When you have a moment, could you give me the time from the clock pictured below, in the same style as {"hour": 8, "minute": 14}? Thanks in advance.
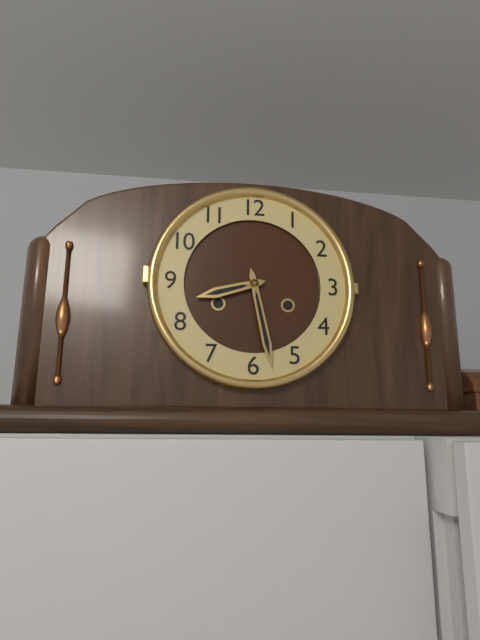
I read {"hour": 8, "minute": 28}
